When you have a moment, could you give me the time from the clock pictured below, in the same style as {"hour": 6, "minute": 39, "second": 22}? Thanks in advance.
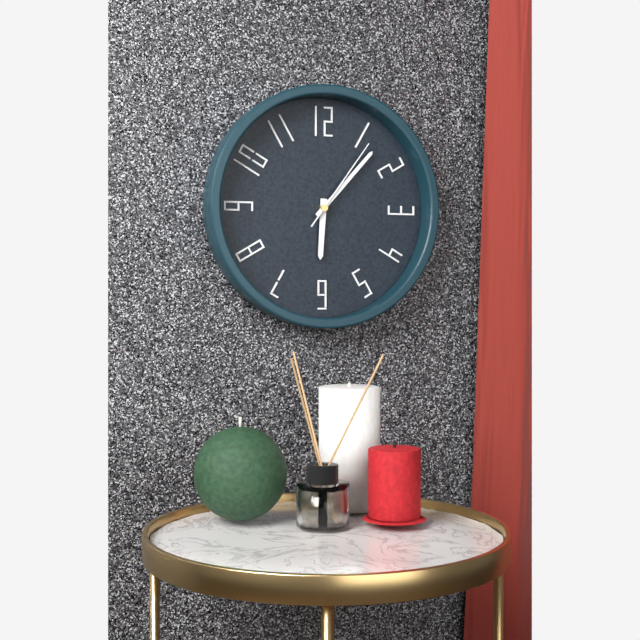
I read {"hour": 6, "minute": 7, "second": 6}
